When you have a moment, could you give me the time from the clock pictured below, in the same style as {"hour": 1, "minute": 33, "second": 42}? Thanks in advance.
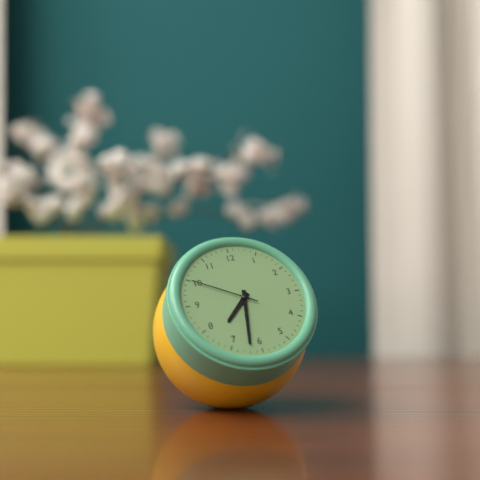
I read {"hour": 7, "minute": 32, "second": 50}
